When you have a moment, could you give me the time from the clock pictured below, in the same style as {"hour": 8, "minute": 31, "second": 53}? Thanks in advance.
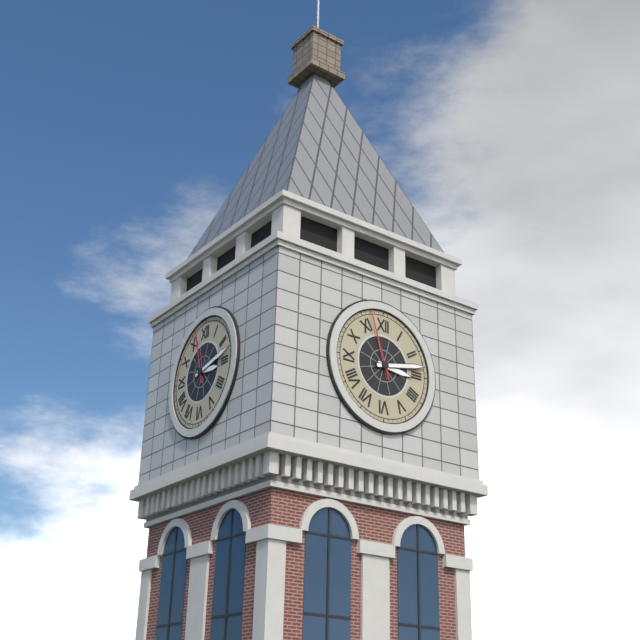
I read {"hour": 3, "minute": 13, "second": 57}
